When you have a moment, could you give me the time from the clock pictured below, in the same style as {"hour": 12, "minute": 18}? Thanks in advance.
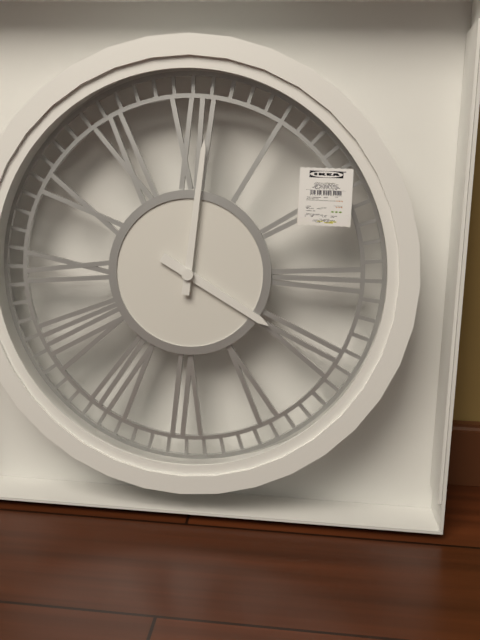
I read {"hour": 4, "minute": 1}
